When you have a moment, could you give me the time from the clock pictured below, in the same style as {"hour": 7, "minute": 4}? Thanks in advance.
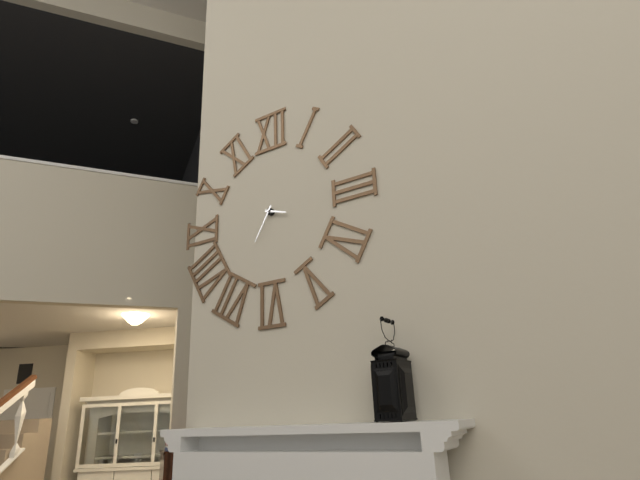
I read {"hour": 3, "minute": 35}
